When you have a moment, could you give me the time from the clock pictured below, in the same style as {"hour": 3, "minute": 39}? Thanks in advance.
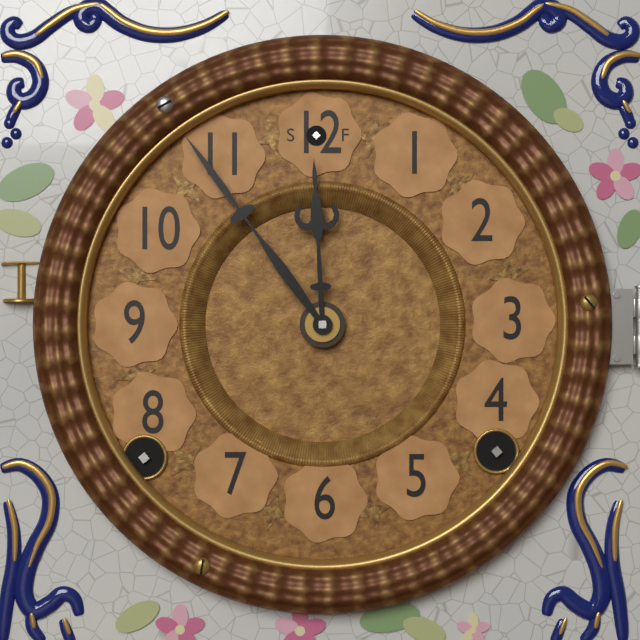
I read {"hour": 11, "minute": 54}
